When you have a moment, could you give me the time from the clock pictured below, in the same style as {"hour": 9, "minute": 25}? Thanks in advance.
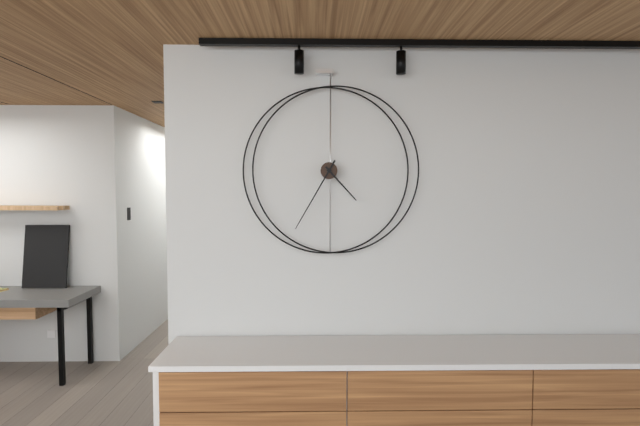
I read {"hour": 4, "minute": 35}
